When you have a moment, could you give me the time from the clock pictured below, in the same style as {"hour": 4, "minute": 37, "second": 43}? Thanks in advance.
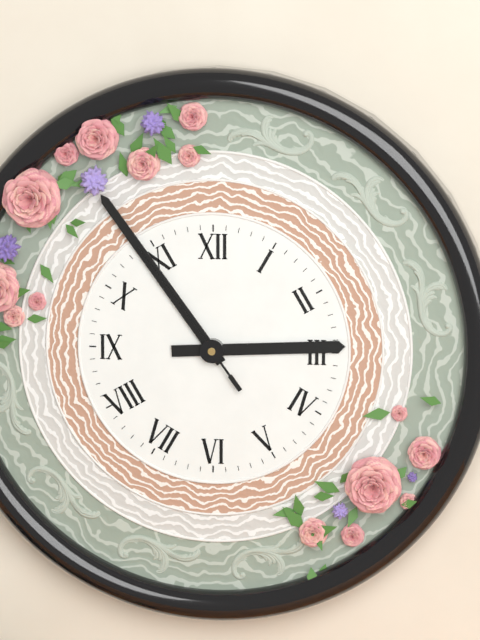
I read {"hour": 2, "minute": 54, "second": 54}
